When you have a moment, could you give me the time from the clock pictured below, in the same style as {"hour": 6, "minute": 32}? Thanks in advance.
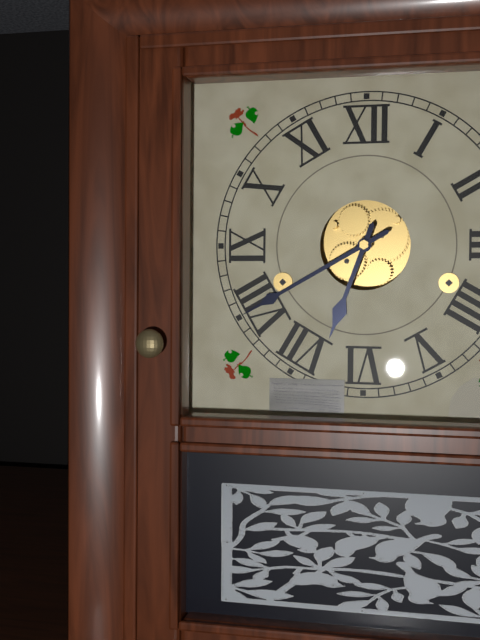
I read {"hour": 6, "minute": 40}
